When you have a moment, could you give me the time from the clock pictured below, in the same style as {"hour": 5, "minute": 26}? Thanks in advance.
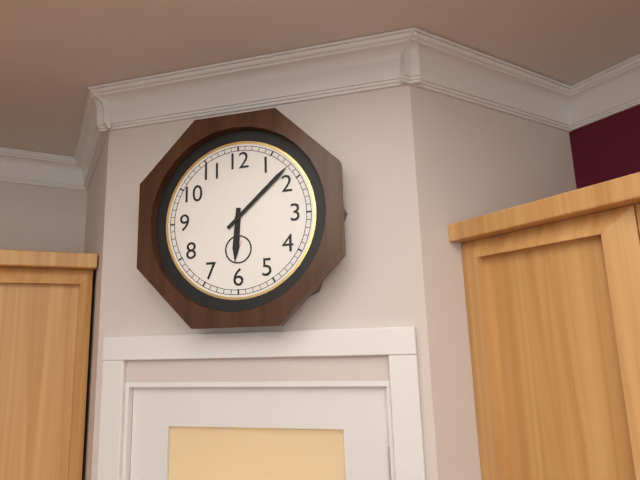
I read {"hour": 6, "minute": 8}
